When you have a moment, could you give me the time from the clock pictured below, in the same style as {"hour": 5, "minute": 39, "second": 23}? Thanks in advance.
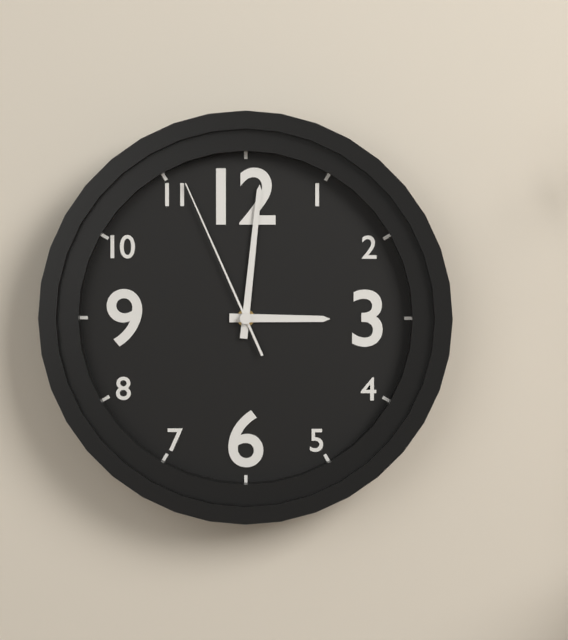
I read {"hour": 3, "minute": 1, "second": 56}
